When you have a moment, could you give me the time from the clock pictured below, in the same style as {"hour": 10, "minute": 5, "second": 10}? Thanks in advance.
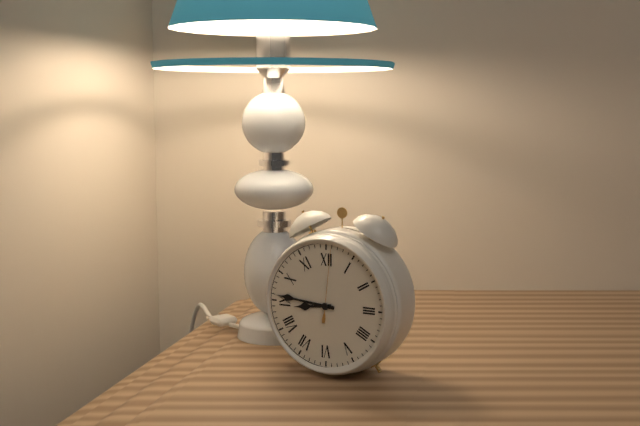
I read {"hour": 8, "minute": 46, "second": 1}
